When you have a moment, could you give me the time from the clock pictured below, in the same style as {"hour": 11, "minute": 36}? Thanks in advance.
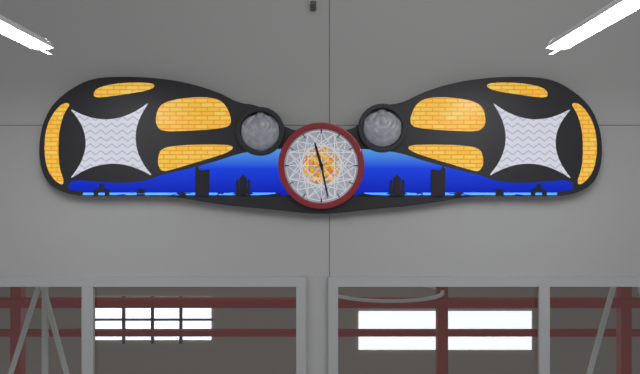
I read {"hour": 11, "minute": 28}
